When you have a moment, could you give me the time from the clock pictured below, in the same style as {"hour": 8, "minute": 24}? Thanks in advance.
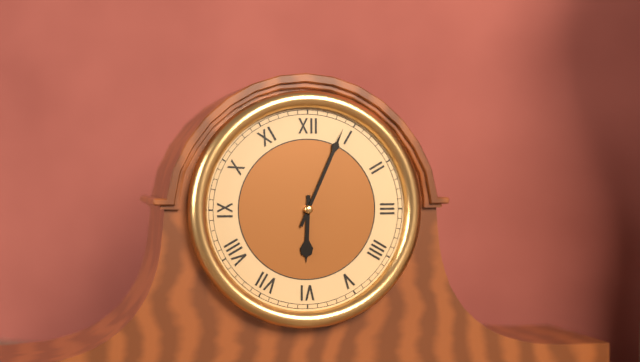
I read {"hour": 6, "minute": 4}
